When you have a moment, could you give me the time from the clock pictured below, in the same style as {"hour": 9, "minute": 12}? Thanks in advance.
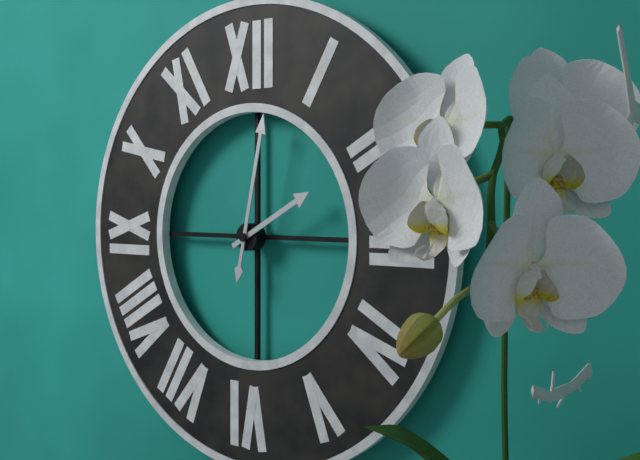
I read {"hour": 2, "minute": 2}
